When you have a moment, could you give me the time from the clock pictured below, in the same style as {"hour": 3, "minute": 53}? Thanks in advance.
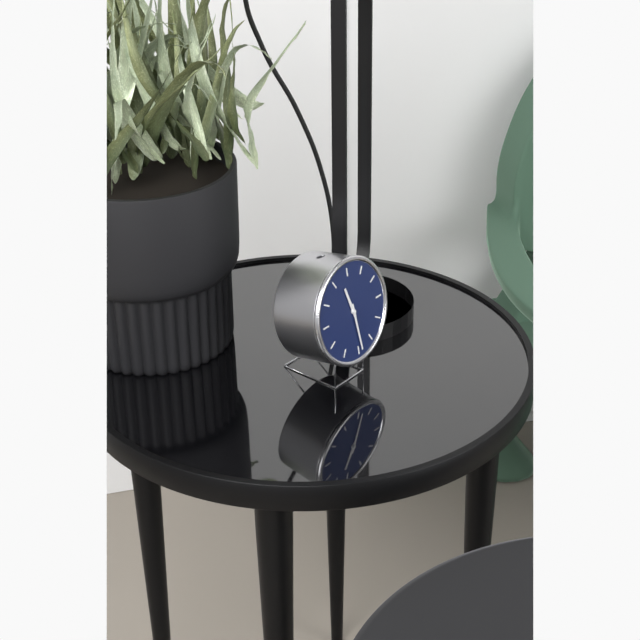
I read {"hour": 11, "minute": 29}
